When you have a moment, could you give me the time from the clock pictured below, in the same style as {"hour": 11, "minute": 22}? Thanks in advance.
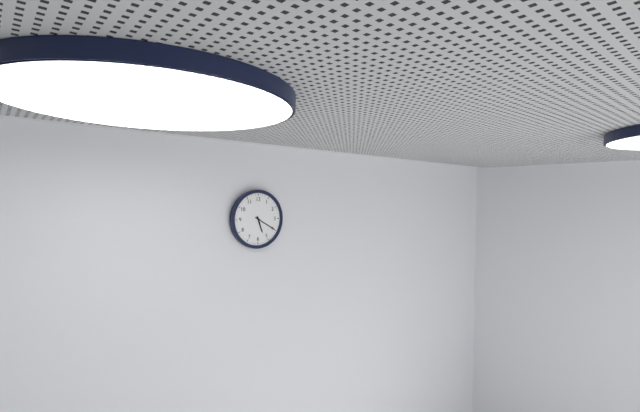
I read {"hour": 5, "minute": 20}
